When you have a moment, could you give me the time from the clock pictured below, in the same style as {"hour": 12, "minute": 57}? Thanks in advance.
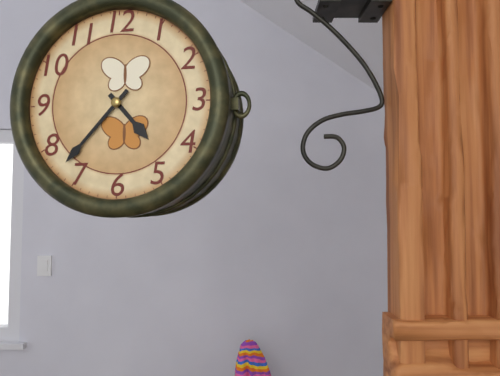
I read {"hour": 4, "minute": 37}
